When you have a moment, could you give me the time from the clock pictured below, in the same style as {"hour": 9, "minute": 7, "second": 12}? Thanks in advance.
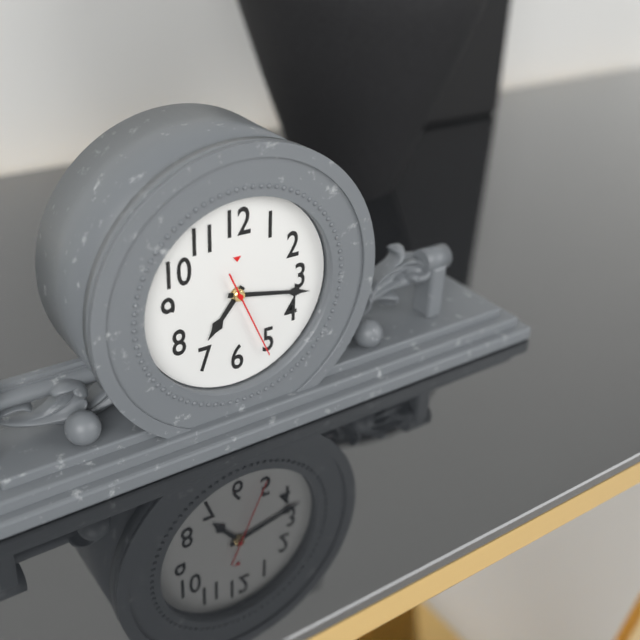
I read {"hour": 7, "minute": 17, "second": 26}
